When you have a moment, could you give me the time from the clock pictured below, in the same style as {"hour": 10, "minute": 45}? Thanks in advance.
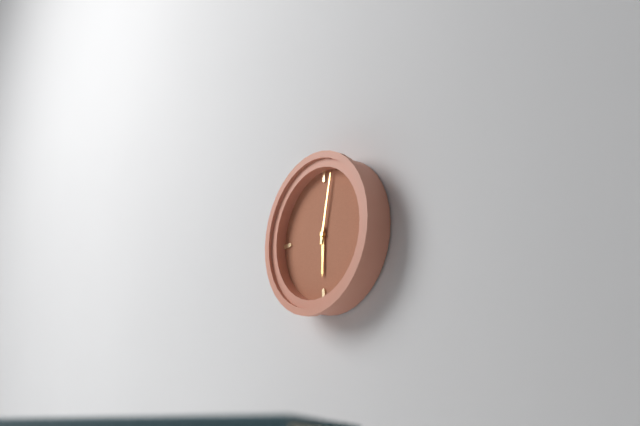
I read {"hour": 6, "minute": 2}
